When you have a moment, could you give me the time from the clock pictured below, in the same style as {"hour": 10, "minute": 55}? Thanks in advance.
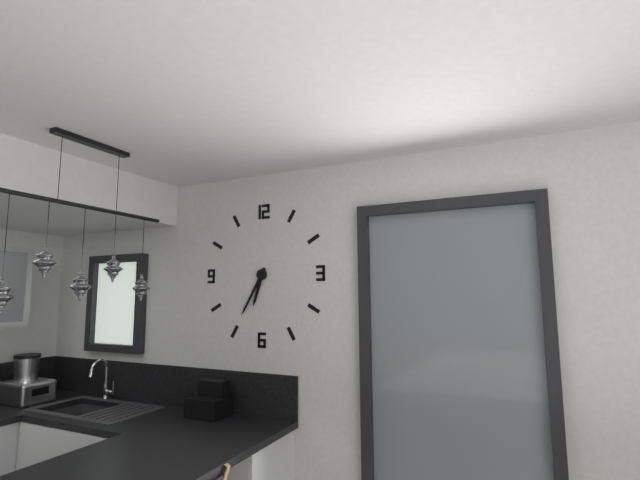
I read {"hour": 6, "minute": 35}
